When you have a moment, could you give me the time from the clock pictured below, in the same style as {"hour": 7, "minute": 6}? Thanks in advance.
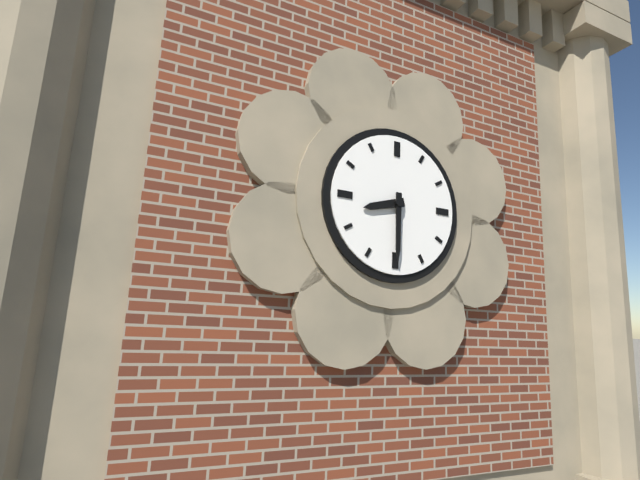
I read {"hour": 8, "minute": 30}
